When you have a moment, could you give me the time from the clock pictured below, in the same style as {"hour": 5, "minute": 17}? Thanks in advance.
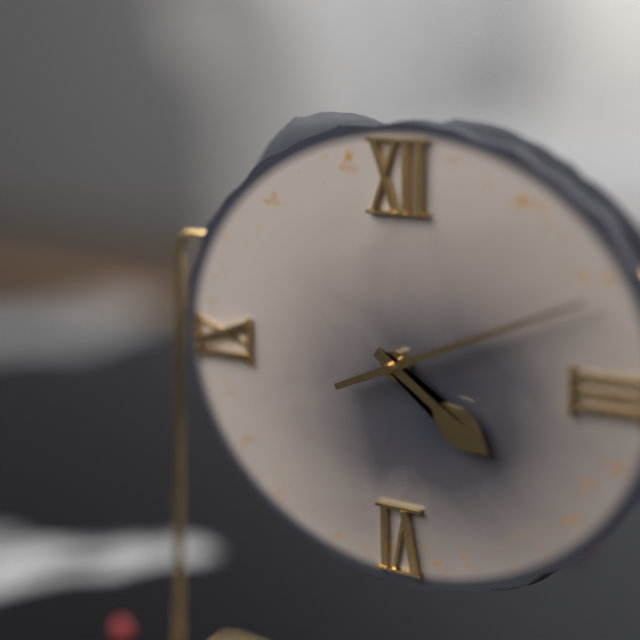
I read {"hour": 4, "minute": 11}
